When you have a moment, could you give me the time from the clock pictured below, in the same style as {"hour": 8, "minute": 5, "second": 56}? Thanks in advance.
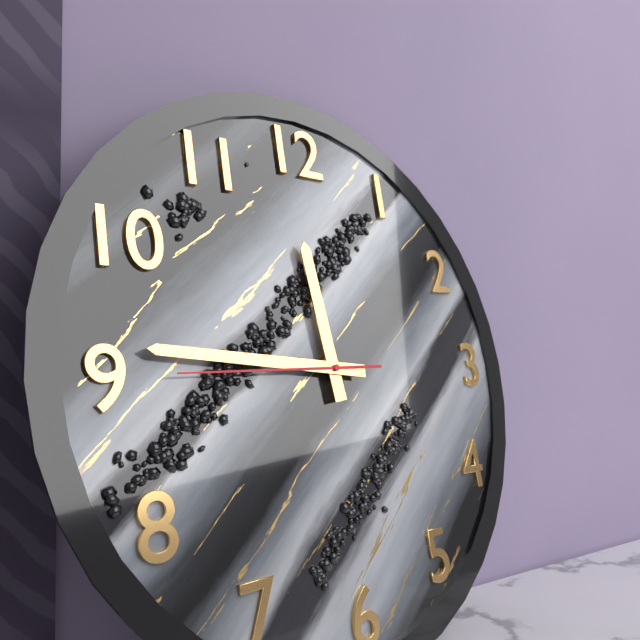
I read {"hour": 11, "minute": 46, "second": 45}
